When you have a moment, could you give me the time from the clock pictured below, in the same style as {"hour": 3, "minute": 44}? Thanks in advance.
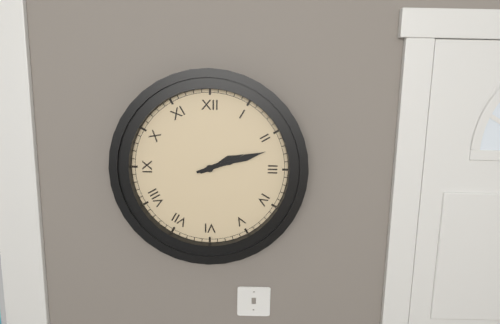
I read {"hour": 2, "minute": 12}
